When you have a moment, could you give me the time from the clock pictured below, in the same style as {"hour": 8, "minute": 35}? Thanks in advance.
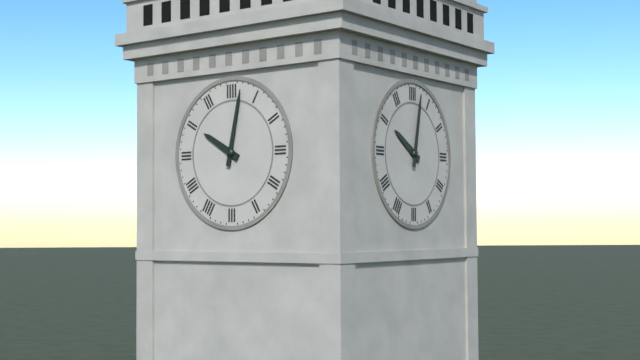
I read {"hour": 10, "minute": 2}
